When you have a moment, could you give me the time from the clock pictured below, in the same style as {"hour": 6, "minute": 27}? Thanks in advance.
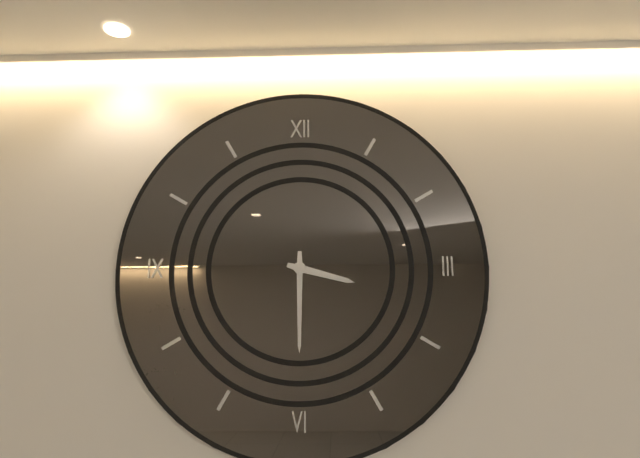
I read {"hour": 3, "minute": 30}
